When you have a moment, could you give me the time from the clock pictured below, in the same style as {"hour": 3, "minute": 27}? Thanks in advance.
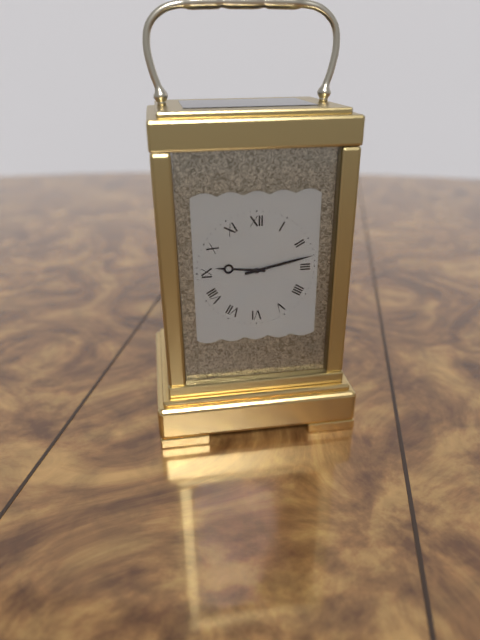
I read {"hour": 9, "minute": 13}
